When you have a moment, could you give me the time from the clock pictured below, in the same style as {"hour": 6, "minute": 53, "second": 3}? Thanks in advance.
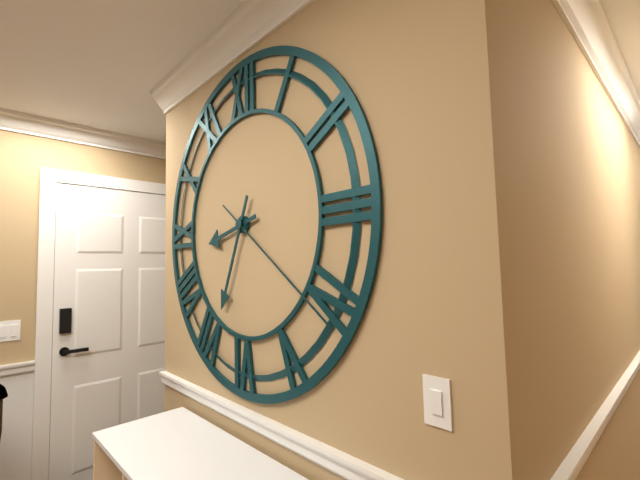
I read {"hour": 8, "minute": 34, "second": 21}
